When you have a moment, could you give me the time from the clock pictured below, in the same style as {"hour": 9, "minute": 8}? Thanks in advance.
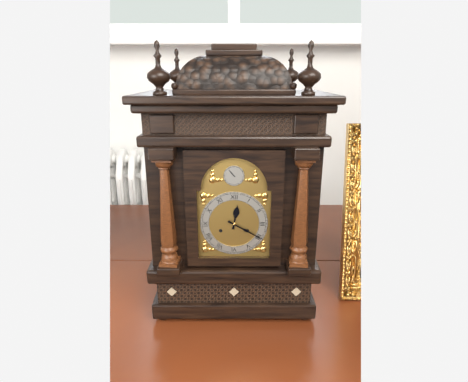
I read {"hour": 12, "minute": 20}
